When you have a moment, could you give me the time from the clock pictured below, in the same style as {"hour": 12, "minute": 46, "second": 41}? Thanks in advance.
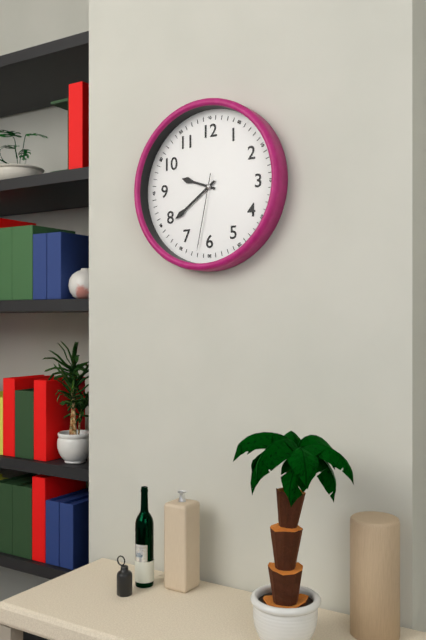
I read {"hour": 9, "minute": 39, "second": 32}
